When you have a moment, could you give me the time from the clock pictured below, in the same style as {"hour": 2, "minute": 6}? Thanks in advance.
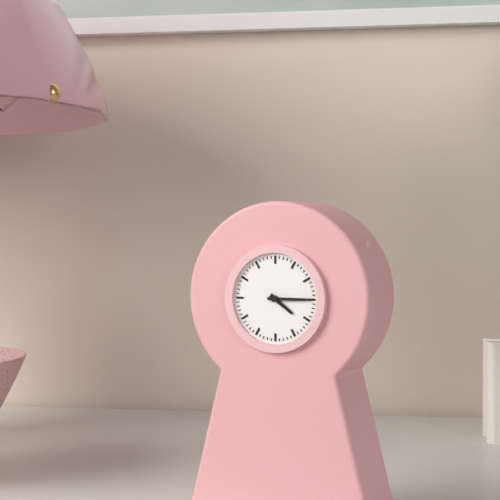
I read {"hour": 4, "minute": 15}
